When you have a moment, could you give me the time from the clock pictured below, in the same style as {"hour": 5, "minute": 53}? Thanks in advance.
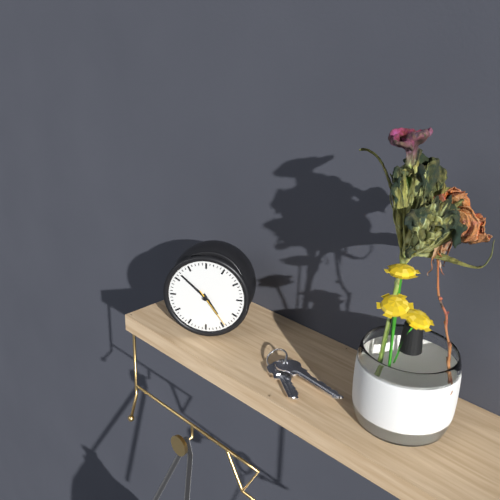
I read {"hour": 4, "minute": 52}
